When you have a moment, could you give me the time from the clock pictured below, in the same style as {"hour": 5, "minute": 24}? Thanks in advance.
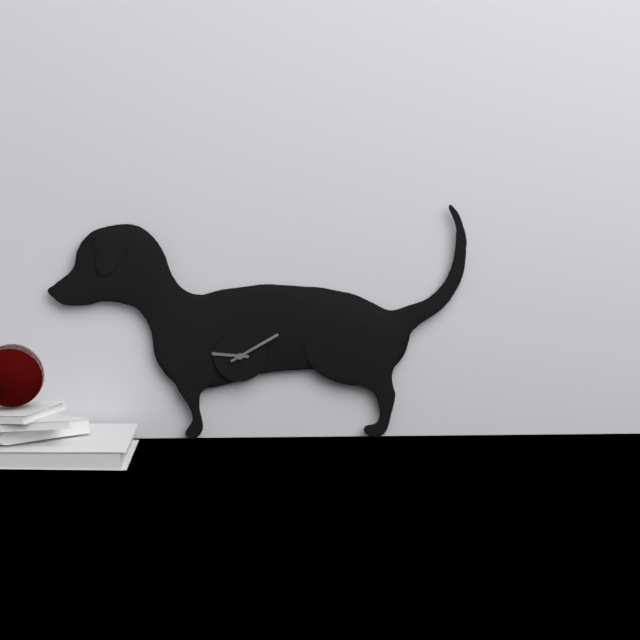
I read {"hour": 9, "minute": 10}
